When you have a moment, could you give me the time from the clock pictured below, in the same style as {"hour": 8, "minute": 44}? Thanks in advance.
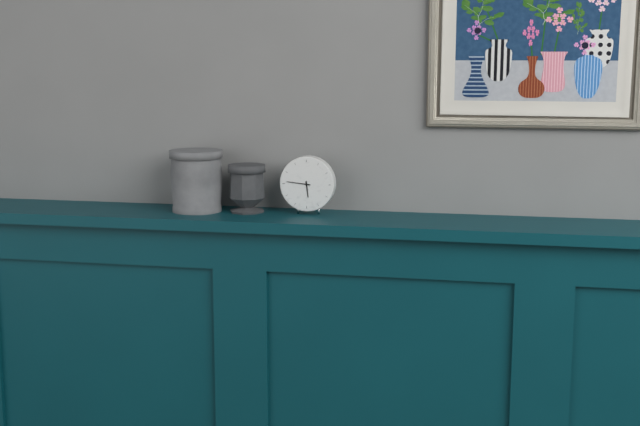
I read {"hour": 5, "minute": 46}
